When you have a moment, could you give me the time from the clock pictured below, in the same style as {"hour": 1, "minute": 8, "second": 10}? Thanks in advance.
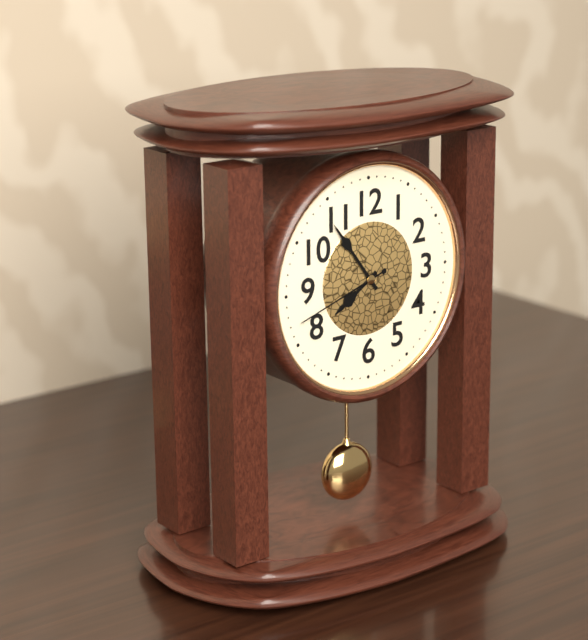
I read {"hour": 7, "minute": 54, "second": 42}
